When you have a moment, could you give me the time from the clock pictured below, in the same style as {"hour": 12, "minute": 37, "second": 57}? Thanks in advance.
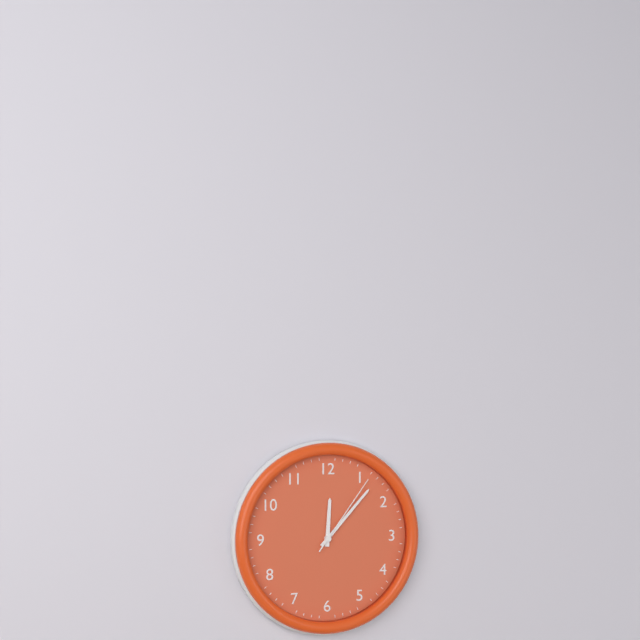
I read {"hour": 12, "minute": 7, "second": 6}
